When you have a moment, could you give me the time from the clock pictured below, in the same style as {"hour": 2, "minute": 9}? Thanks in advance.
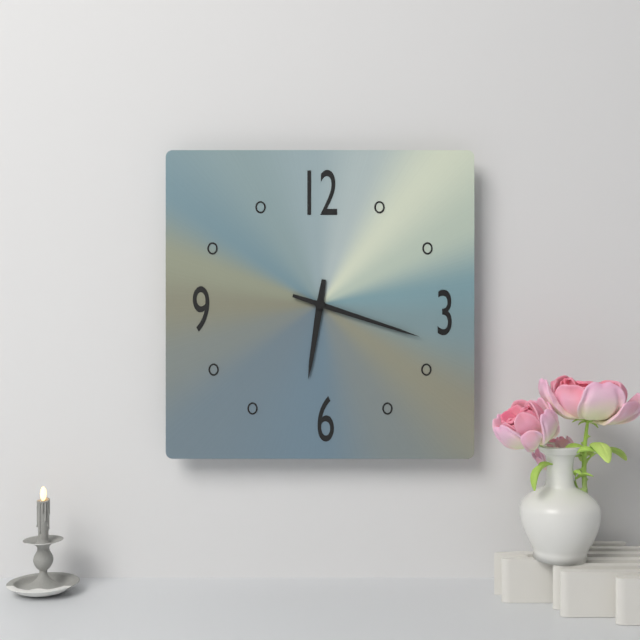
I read {"hour": 6, "minute": 18}
